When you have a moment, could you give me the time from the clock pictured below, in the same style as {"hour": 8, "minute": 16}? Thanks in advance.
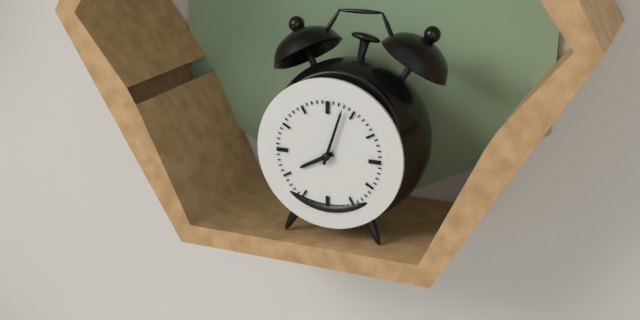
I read {"hour": 8, "minute": 3}
